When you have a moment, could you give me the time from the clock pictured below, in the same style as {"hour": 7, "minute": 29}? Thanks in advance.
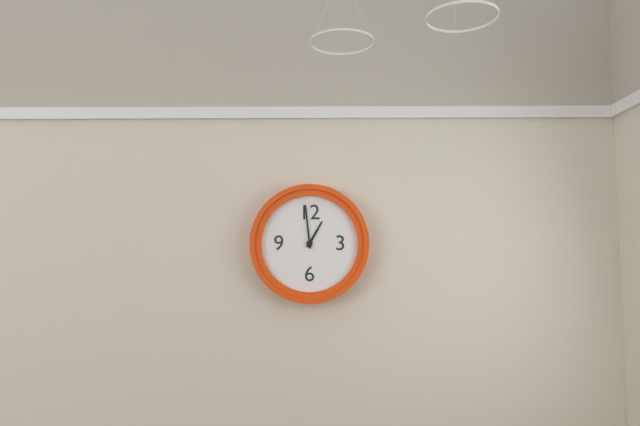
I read {"hour": 12, "minute": 59}
